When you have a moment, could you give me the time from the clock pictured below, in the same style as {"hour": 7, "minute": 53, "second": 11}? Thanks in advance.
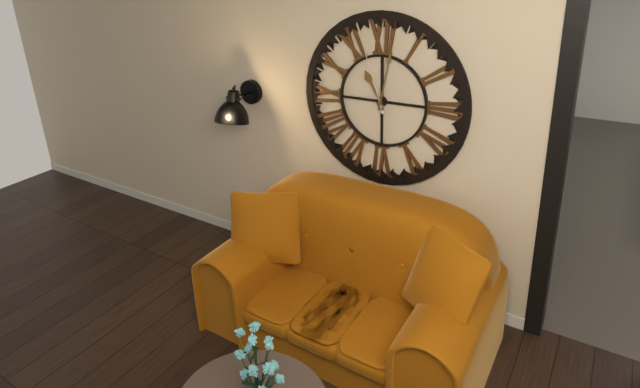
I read {"hour": 11, "minute": 2, "second": 57}
